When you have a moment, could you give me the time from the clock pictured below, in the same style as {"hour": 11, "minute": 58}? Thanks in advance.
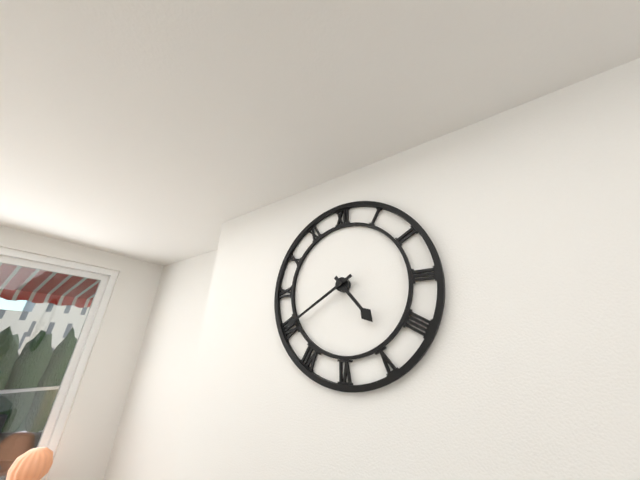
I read {"hour": 4, "minute": 40}
